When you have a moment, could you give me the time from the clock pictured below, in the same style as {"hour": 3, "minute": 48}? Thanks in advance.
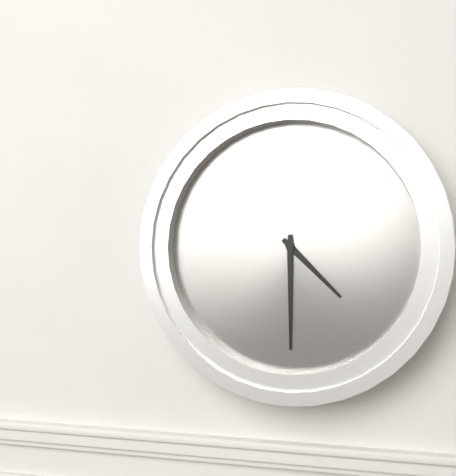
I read {"hour": 4, "minute": 30}
